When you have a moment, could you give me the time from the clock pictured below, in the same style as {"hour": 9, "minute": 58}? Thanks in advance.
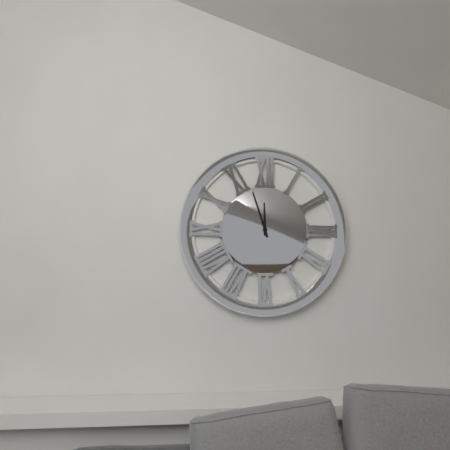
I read {"hour": 11, "minute": 57}
